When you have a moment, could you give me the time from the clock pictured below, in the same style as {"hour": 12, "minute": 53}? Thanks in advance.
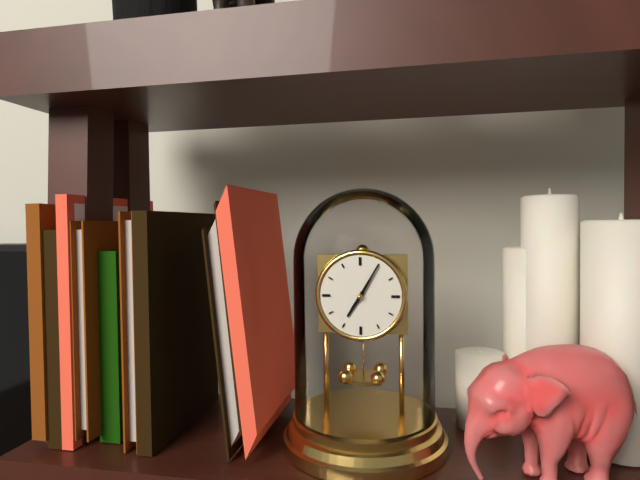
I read {"hour": 7, "minute": 5}
